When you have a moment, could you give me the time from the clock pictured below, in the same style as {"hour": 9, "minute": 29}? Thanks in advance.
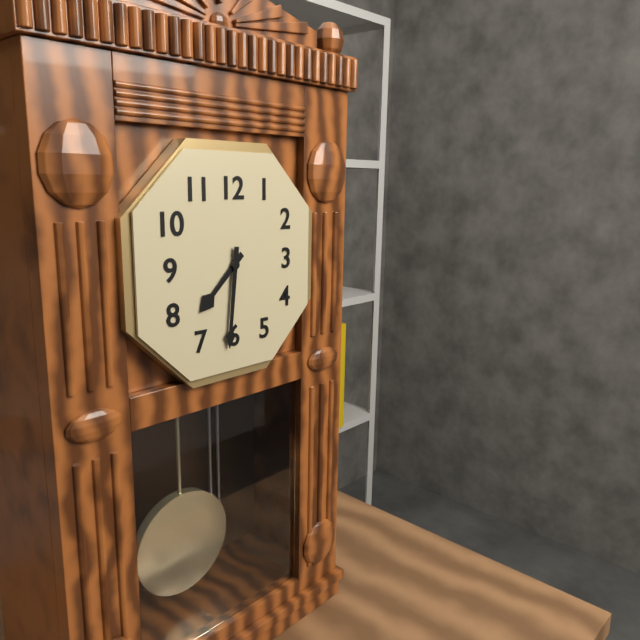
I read {"hour": 7, "minute": 31}
